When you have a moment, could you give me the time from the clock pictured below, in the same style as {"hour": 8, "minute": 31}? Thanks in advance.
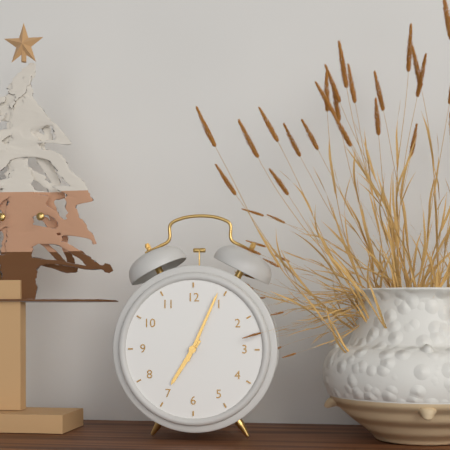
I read {"hour": 7, "minute": 4}
